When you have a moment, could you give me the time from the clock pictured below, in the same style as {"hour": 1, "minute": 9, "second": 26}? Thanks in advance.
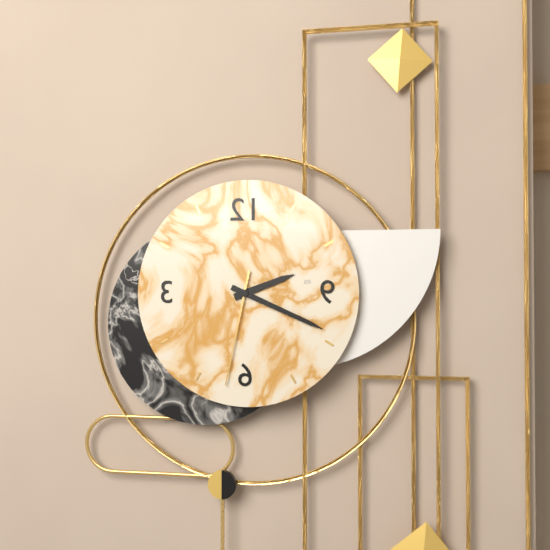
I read {"hour": 2, "minute": 19, "second": 32}
